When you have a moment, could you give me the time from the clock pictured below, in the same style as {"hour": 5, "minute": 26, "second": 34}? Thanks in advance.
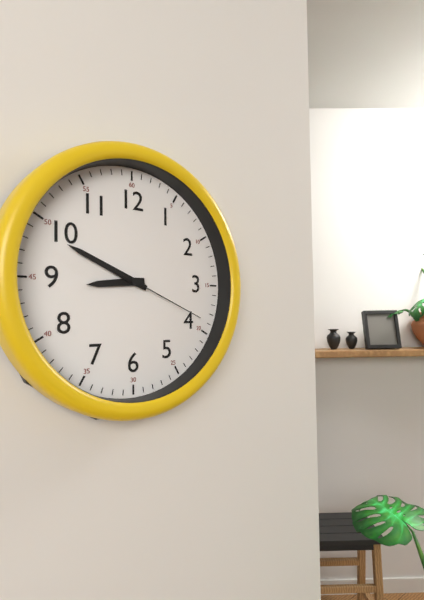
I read {"hour": 8, "minute": 49, "second": 19}
